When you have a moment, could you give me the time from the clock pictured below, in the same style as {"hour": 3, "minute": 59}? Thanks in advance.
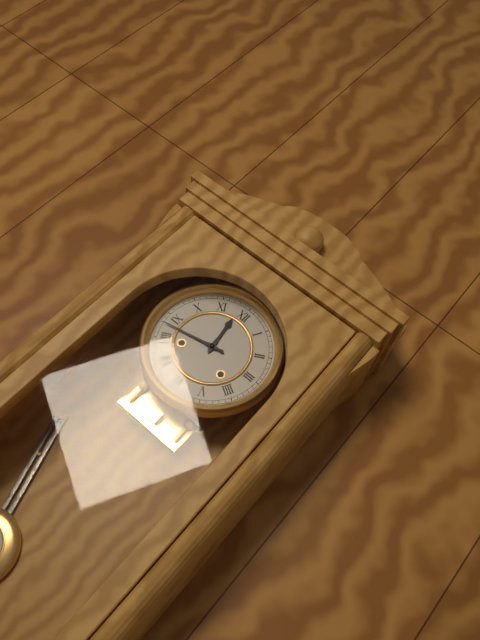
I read {"hour": 11, "minute": 43}
